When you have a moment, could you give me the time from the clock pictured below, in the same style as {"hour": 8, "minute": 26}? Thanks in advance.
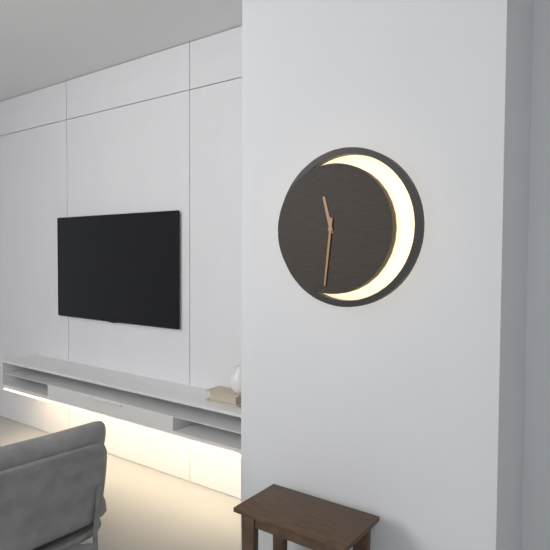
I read {"hour": 11, "minute": 31}
